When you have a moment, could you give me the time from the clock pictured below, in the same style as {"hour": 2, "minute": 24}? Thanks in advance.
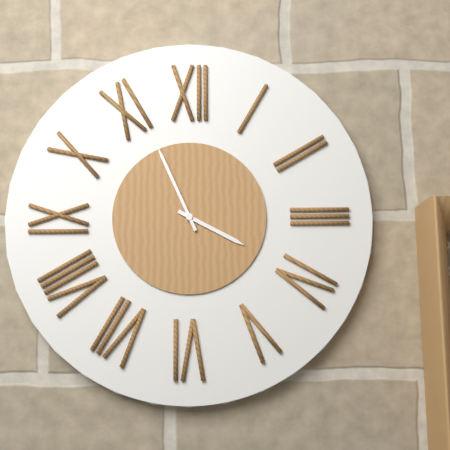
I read {"hour": 3, "minute": 56}
